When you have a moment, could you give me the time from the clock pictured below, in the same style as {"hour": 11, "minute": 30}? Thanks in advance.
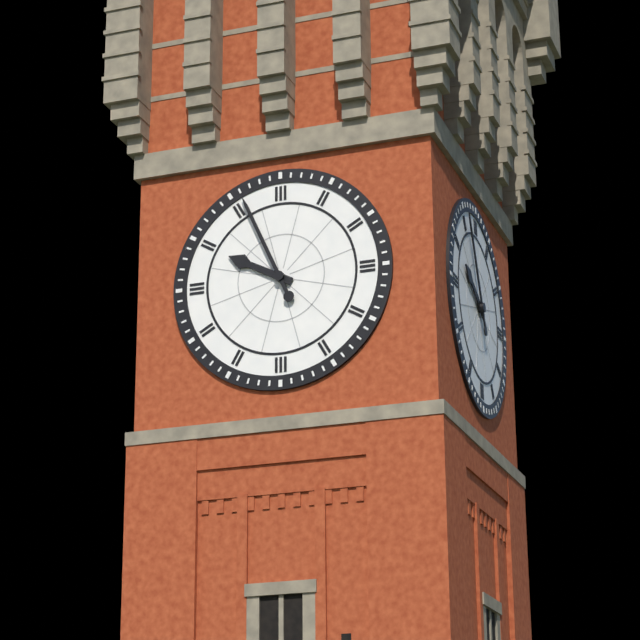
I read {"hour": 9, "minute": 56}
